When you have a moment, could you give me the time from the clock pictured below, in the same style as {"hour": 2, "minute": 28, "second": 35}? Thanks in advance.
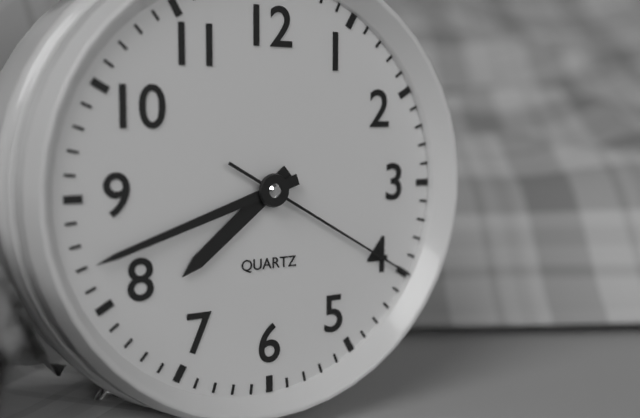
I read {"hour": 7, "minute": 42, "second": 20}
